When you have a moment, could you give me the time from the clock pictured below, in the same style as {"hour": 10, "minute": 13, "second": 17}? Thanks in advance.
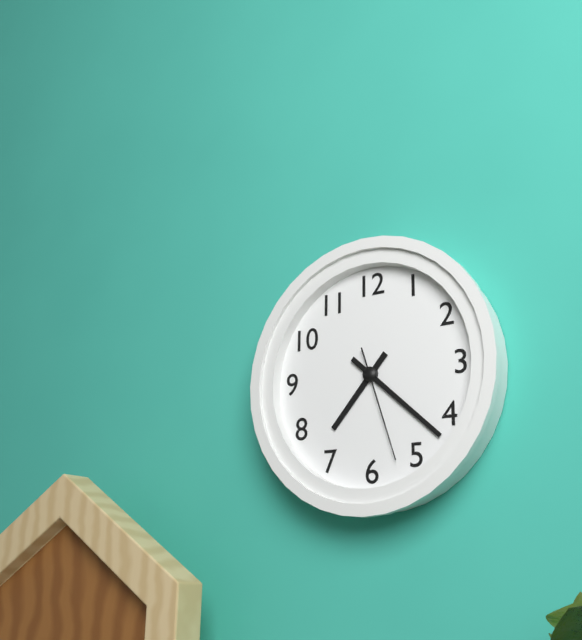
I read {"hour": 7, "minute": 22, "second": 27}
